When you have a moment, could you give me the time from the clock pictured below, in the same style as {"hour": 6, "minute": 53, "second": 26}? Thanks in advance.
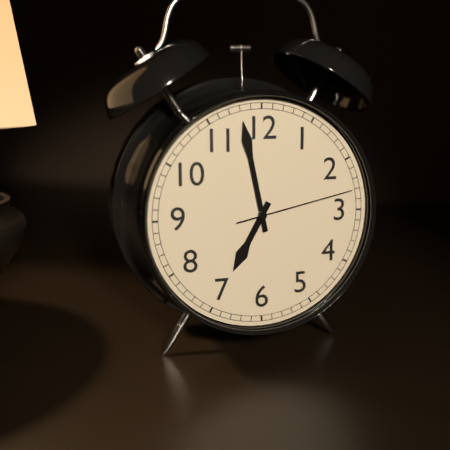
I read {"hour": 6, "minute": 58, "second": 13}
